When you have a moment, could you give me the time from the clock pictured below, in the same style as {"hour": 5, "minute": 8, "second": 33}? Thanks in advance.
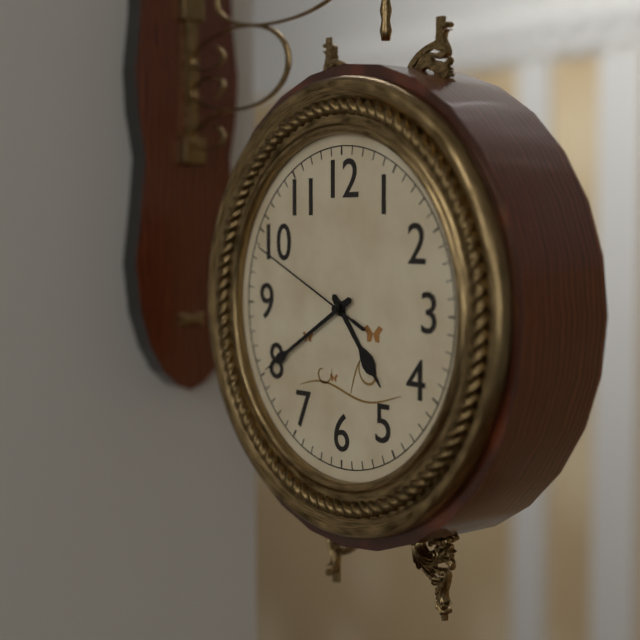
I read {"hour": 4, "minute": 40, "second": 49}
